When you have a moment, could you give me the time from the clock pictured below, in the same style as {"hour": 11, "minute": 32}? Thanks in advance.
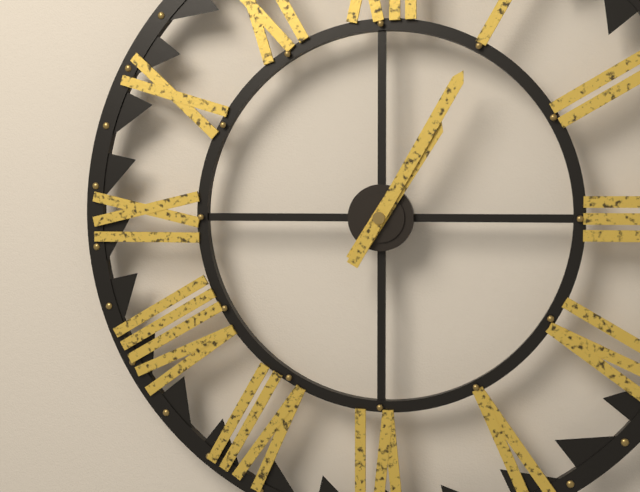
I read {"hour": 1, "minute": 5}
